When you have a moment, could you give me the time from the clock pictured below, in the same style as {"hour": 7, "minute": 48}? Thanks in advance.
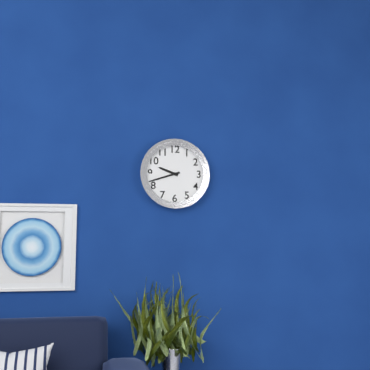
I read {"hour": 9, "minute": 42}
